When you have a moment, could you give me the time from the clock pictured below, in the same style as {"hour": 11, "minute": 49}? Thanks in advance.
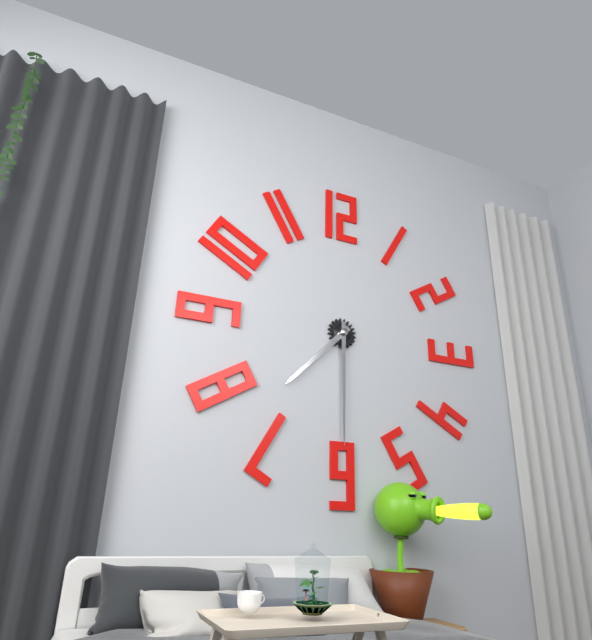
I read {"hour": 7, "minute": 30}
